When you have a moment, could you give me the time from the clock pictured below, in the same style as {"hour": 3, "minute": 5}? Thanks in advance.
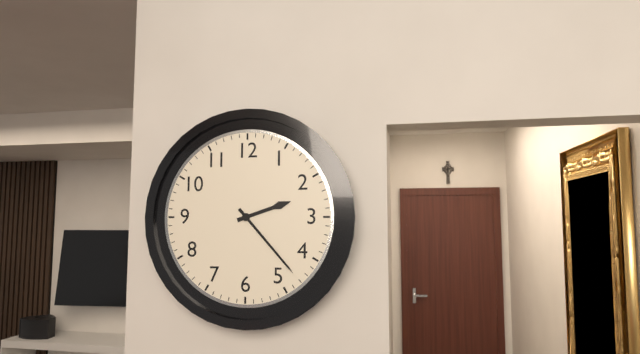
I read {"hour": 2, "minute": 23}
